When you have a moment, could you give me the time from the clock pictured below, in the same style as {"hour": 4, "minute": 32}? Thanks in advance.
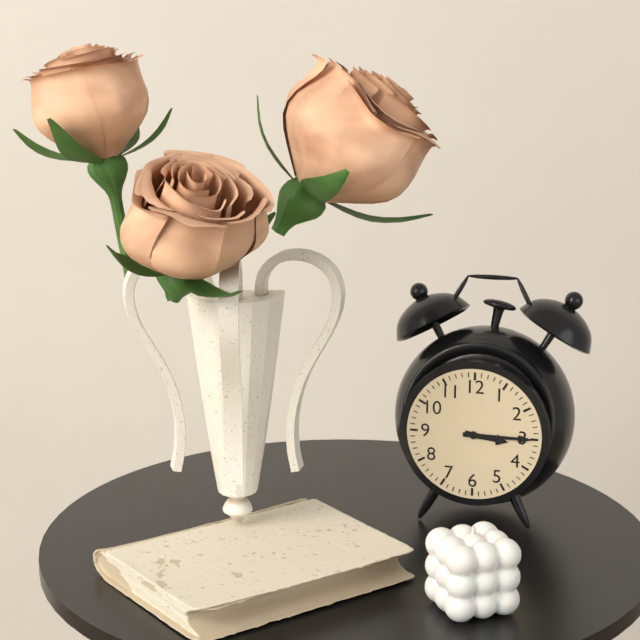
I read {"hour": 3, "minute": 15}
